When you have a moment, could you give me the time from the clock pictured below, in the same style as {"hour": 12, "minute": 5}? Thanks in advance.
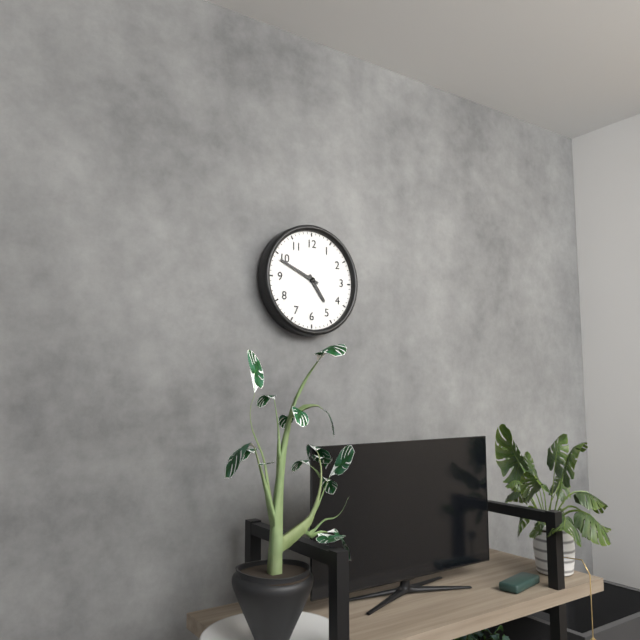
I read {"hour": 4, "minute": 49}
